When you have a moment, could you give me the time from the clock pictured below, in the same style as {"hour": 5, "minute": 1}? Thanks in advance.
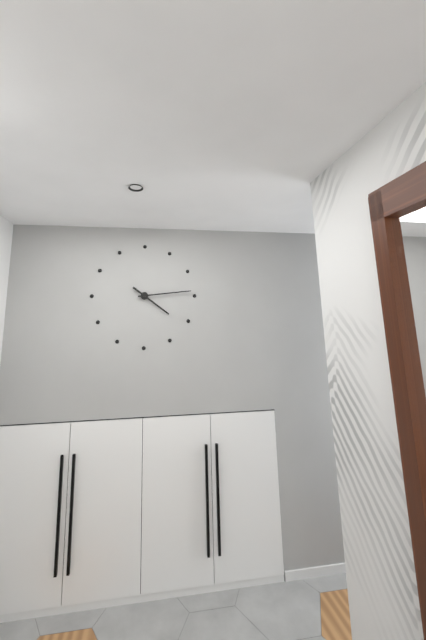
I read {"hour": 4, "minute": 14}
